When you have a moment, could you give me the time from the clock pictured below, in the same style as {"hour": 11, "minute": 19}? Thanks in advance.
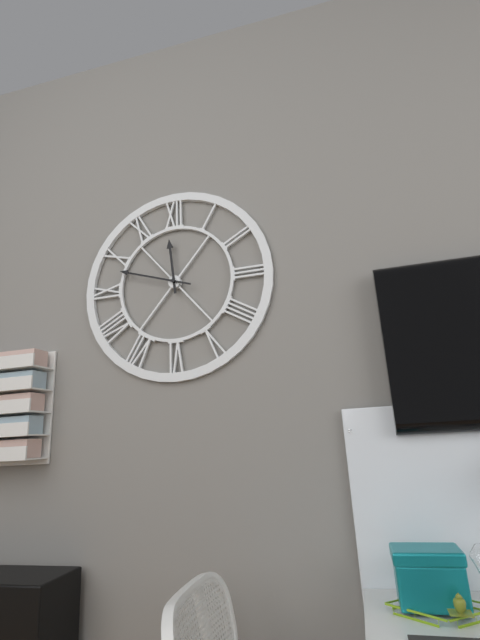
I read {"hour": 11, "minute": 48}
